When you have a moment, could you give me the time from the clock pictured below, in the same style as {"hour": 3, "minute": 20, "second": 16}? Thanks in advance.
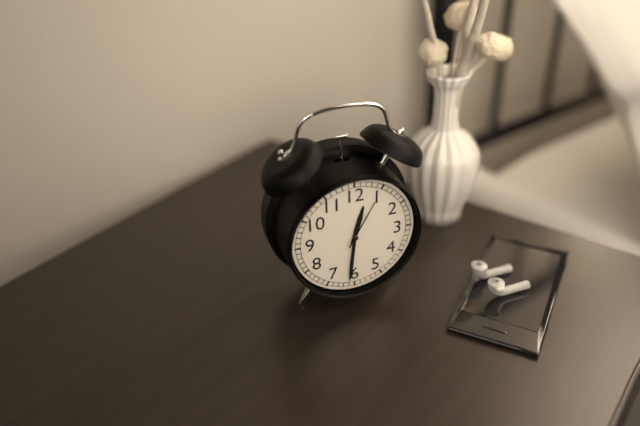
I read {"hour": 12, "minute": 31, "second": 5}
